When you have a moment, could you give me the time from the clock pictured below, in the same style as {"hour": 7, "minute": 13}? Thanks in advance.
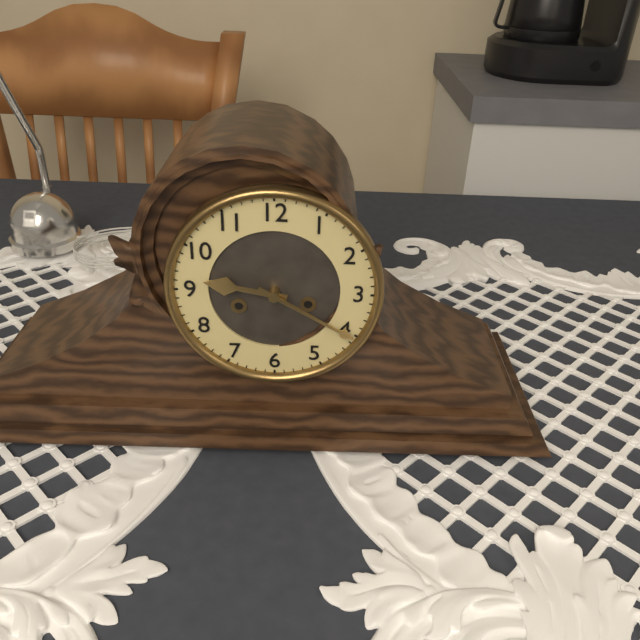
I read {"hour": 9, "minute": 20}
